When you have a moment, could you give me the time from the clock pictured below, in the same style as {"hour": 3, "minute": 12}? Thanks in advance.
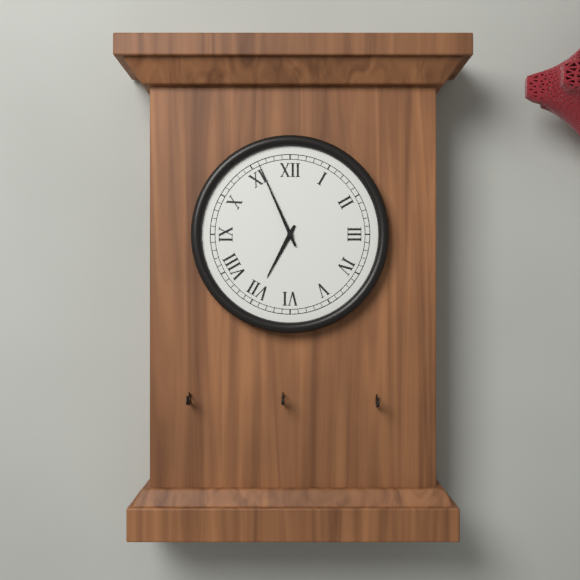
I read {"hour": 6, "minute": 56}
